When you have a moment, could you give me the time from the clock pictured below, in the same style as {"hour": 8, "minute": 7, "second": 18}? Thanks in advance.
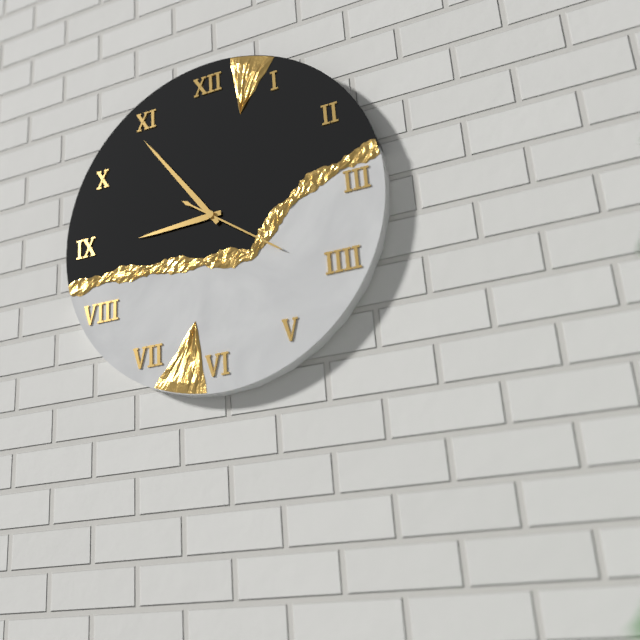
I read {"hour": 8, "minute": 54, "second": 21}
